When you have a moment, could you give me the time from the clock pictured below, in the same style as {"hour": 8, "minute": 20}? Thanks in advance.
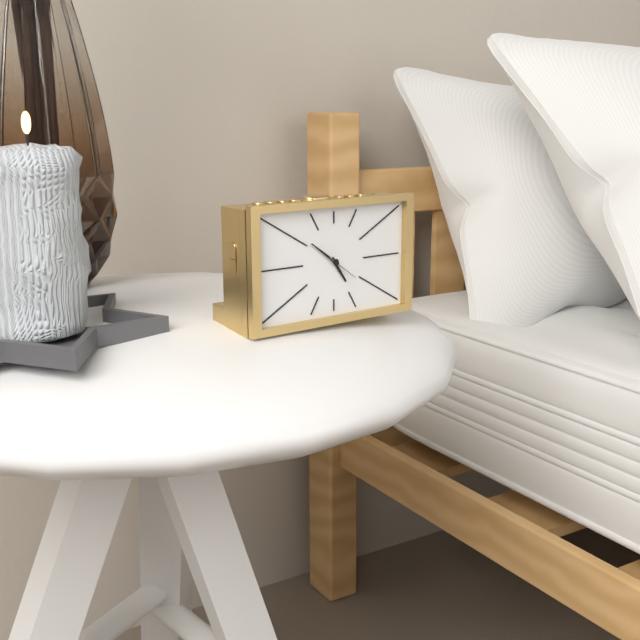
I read {"hour": 4, "minute": 51}
